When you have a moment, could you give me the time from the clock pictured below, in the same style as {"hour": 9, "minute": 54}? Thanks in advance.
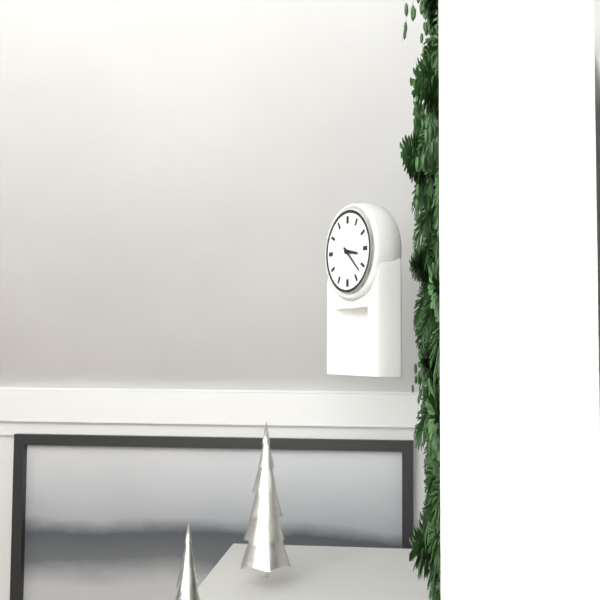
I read {"hour": 3, "minute": 22}
